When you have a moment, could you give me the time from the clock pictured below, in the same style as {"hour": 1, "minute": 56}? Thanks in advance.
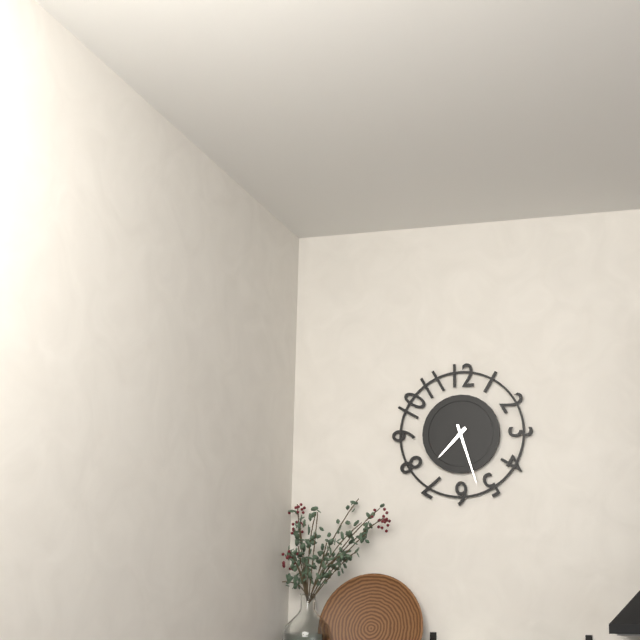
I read {"hour": 7, "minute": 27}
